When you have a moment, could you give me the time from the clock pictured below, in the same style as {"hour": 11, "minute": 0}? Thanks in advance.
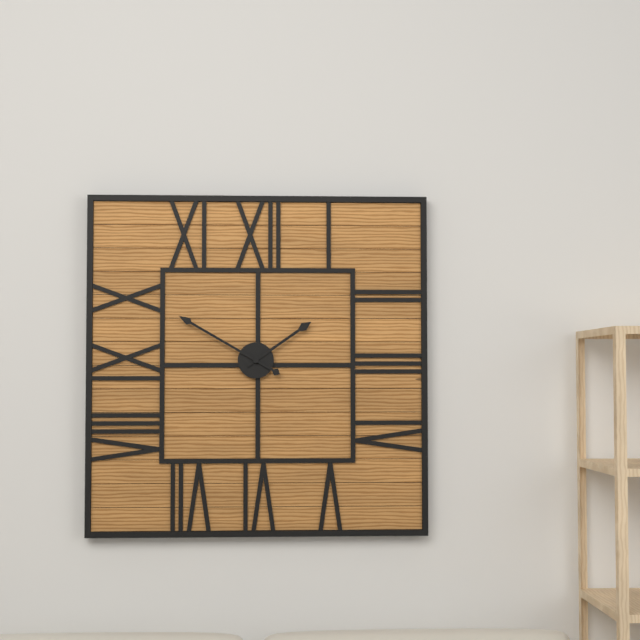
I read {"hour": 1, "minute": 50}
